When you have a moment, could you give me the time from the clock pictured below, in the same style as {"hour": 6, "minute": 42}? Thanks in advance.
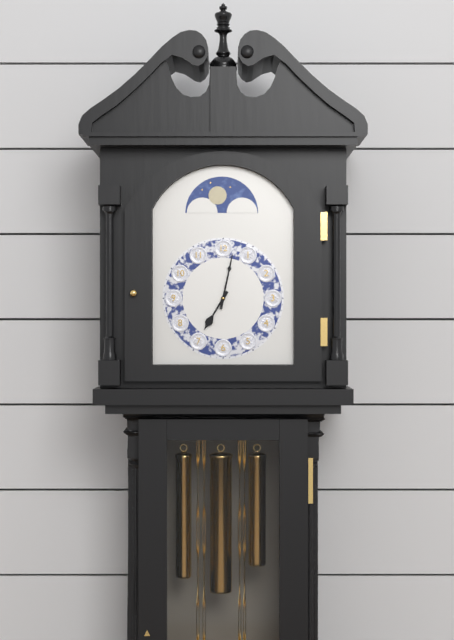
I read {"hour": 7, "minute": 2}
